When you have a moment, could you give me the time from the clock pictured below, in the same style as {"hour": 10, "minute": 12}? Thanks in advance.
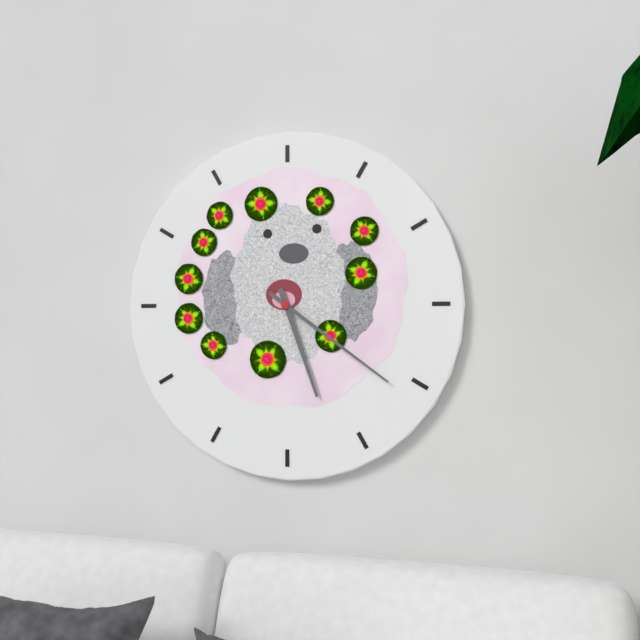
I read {"hour": 5, "minute": 21}
